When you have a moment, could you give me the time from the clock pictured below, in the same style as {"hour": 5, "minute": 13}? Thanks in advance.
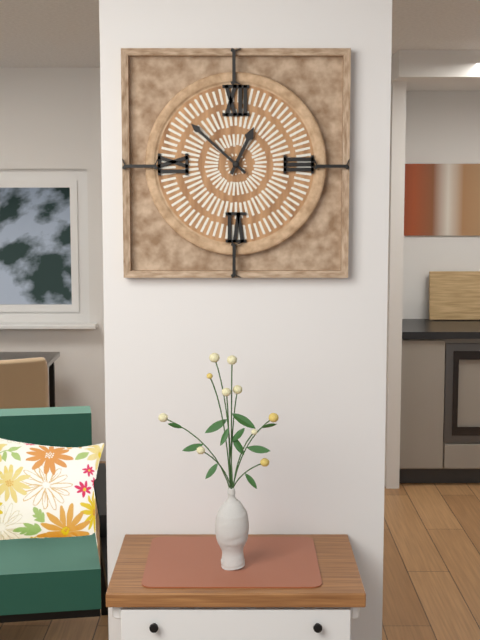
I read {"hour": 12, "minute": 52}
